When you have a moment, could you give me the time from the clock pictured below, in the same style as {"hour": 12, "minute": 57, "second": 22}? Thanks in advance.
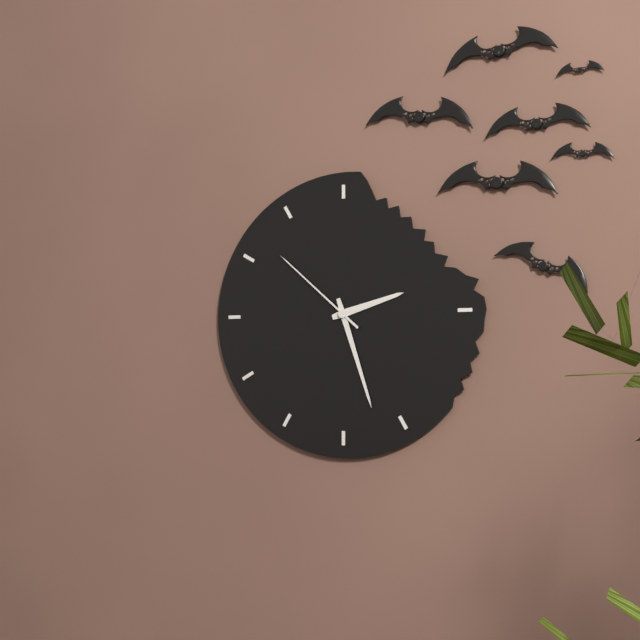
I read {"hour": 2, "minute": 27, "second": 52}
